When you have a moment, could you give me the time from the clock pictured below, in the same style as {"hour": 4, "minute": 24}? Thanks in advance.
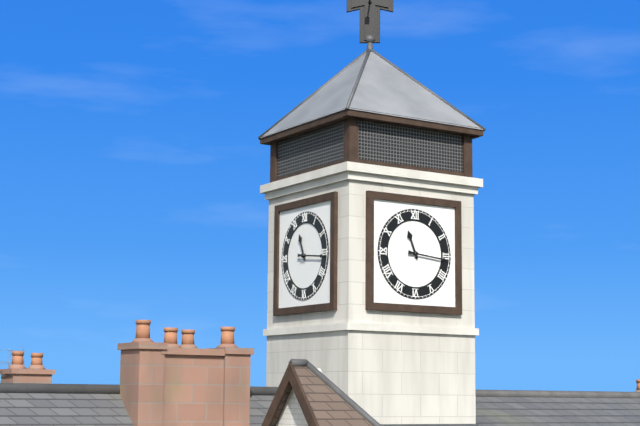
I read {"hour": 11, "minute": 16}
